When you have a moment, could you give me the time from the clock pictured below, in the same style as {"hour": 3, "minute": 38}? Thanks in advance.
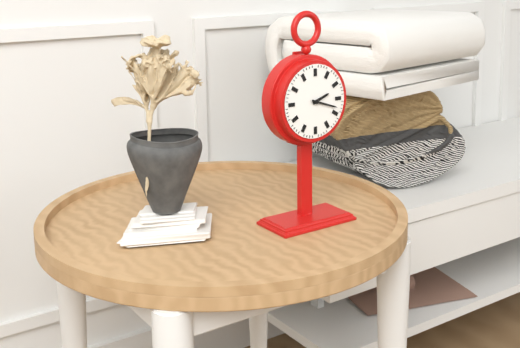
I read {"hour": 2, "minute": 18}
